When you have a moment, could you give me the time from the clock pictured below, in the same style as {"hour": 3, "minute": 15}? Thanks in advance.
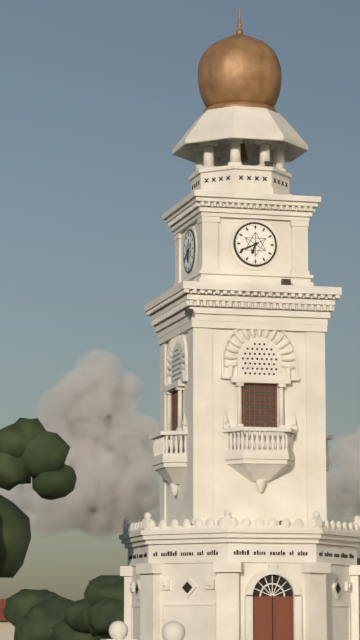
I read {"hour": 6, "minute": 41}
